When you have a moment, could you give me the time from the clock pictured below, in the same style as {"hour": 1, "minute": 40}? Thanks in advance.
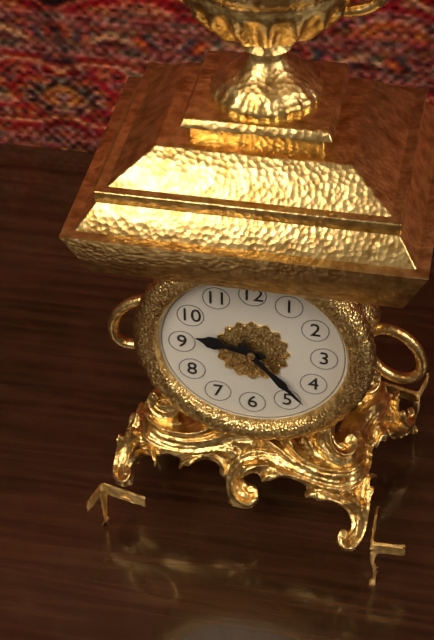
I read {"hour": 9, "minute": 23}
